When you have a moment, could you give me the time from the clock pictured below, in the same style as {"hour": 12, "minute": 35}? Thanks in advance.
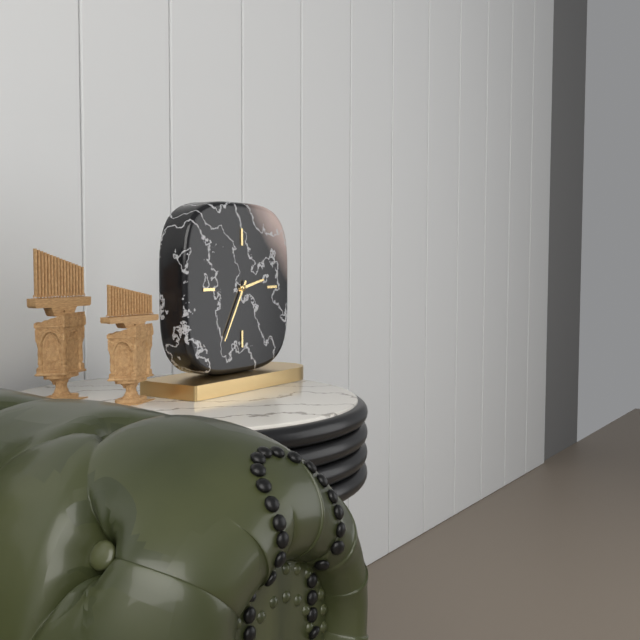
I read {"hour": 2, "minute": 35}
